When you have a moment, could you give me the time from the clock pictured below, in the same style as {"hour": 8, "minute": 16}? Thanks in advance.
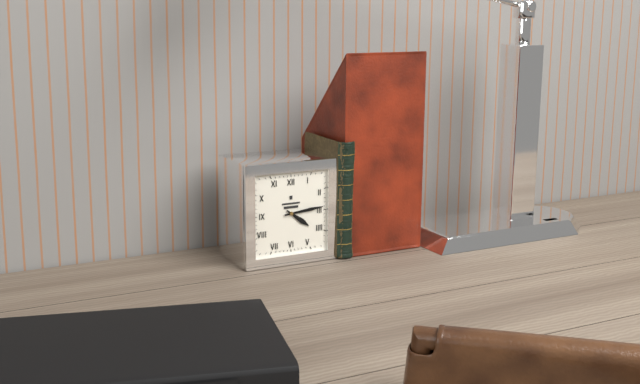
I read {"hour": 4, "minute": 14}
